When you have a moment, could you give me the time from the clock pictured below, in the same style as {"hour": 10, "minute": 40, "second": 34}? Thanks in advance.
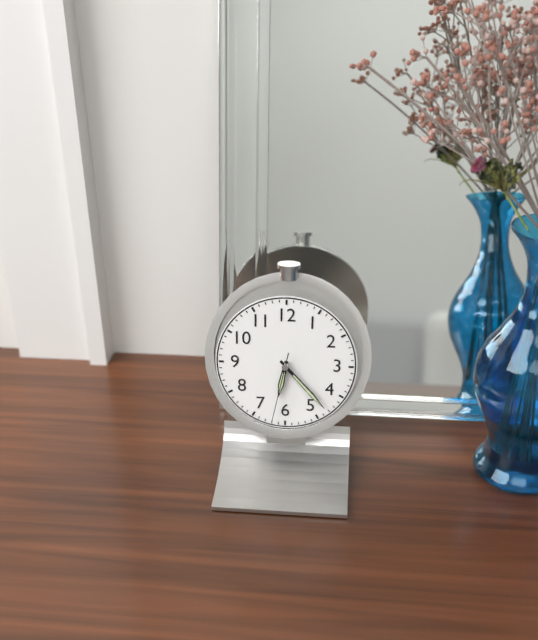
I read {"hour": 6, "minute": 23, "second": 32}
